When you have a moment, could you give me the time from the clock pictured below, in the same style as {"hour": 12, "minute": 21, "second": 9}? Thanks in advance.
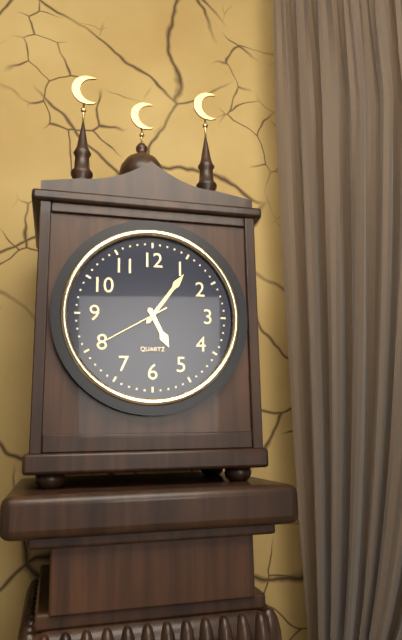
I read {"hour": 5, "minute": 6, "second": 40}
